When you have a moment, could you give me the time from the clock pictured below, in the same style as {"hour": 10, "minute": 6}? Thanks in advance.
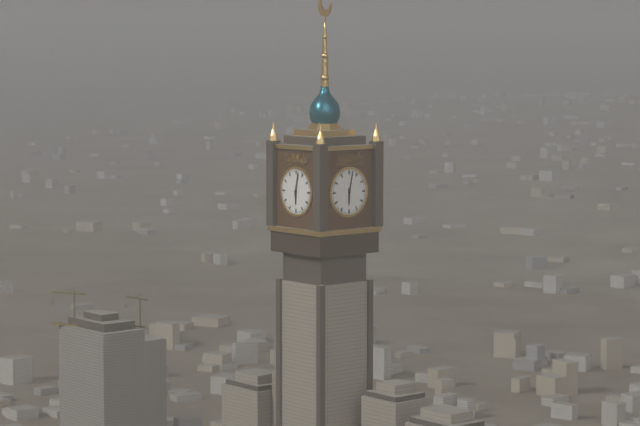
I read {"hour": 6, "minute": 2}
